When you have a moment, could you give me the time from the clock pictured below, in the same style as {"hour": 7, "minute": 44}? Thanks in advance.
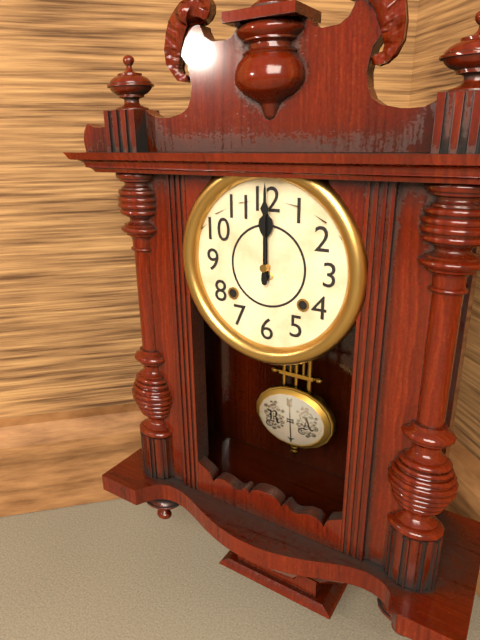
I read {"hour": 12, "minute": 0}
